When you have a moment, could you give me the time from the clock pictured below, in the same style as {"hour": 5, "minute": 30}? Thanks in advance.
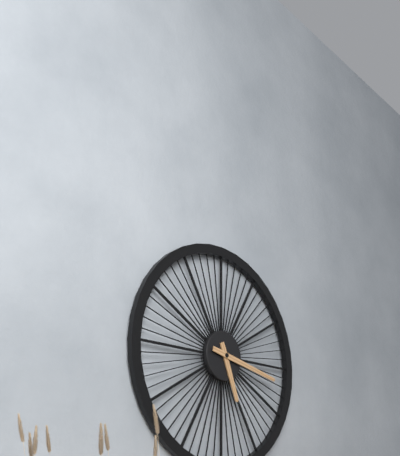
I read {"hour": 5, "minute": 17}
